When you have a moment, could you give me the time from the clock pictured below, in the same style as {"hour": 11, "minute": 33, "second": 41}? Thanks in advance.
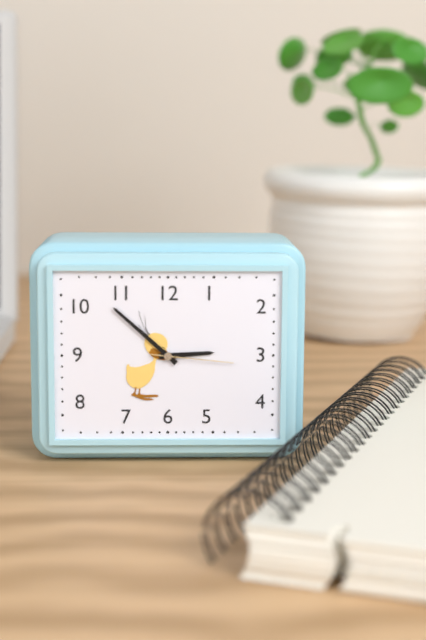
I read {"hour": 2, "minute": 52, "second": 16}
